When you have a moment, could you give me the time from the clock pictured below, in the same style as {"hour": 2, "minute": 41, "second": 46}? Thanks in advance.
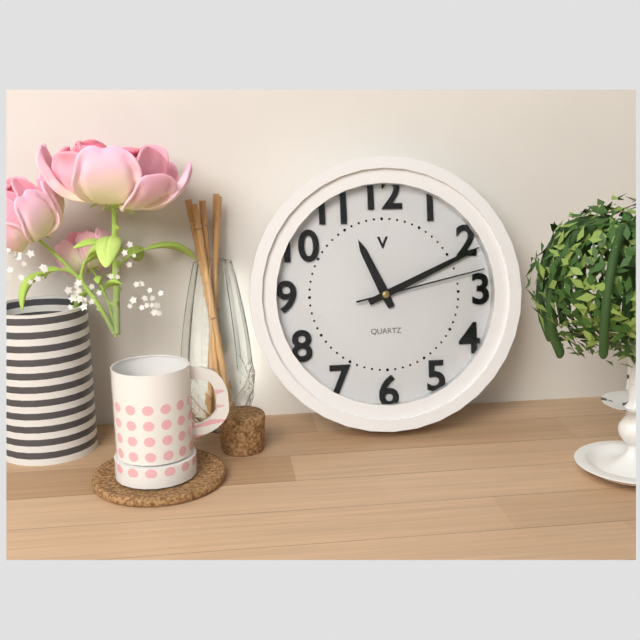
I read {"hour": 11, "minute": 11, "second": 13}
